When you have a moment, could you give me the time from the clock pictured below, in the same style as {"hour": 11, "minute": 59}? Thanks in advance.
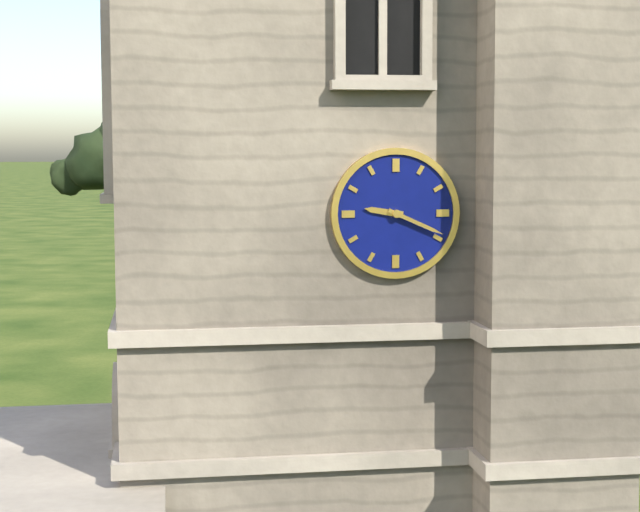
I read {"hour": 9, "minute": 19}
